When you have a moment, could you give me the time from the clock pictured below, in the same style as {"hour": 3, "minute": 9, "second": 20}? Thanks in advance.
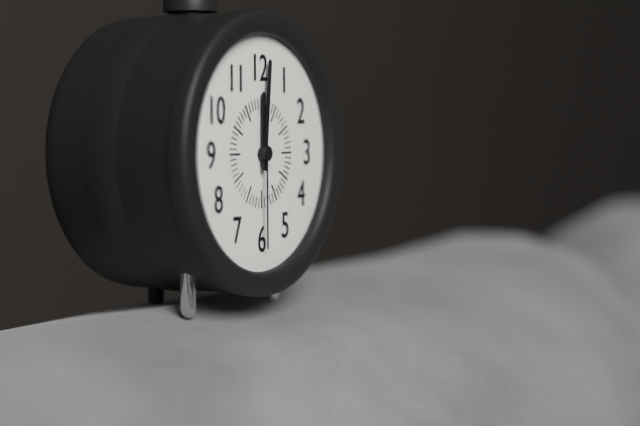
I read {"hour": 12, "minute": 1, "second": 30}
